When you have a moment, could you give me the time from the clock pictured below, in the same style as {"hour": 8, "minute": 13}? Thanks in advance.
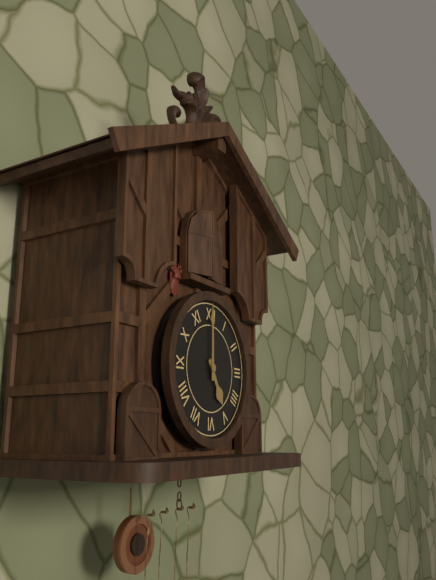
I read {"hour": 5, "minute": 0}
